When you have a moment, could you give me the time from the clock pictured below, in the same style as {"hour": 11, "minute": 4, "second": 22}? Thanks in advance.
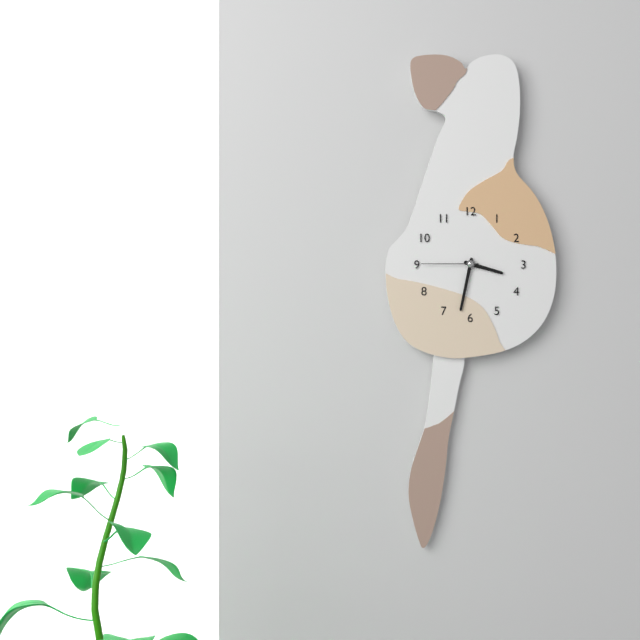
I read {"hour": 3, "minute": 32, "second": 45}
